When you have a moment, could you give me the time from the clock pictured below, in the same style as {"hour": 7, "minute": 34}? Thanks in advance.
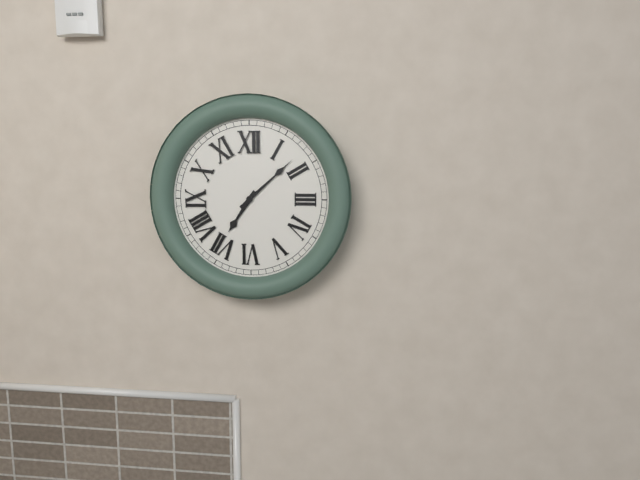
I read {"hour": 7, "minute": 8}
